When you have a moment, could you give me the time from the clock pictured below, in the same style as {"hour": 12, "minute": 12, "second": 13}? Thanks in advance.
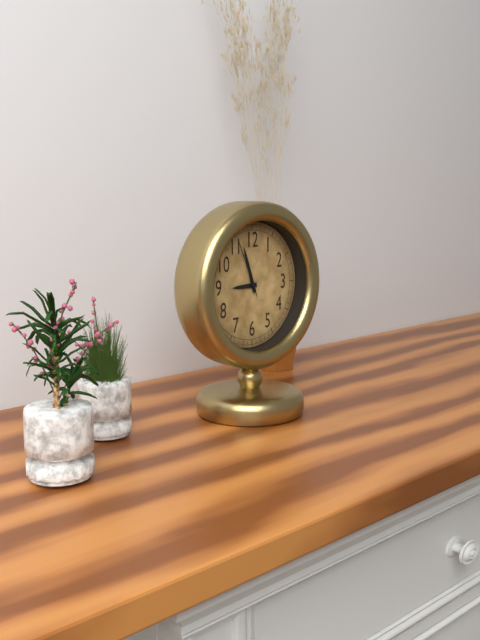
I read {"hour": 8, "minute": 57, "second": 56}
